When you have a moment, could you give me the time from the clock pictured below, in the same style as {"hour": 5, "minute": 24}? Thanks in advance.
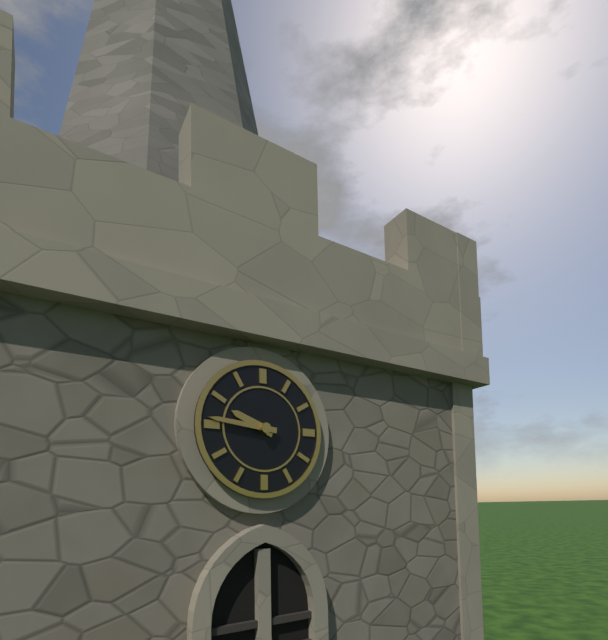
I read {"hour": 9, "minute": 46}
